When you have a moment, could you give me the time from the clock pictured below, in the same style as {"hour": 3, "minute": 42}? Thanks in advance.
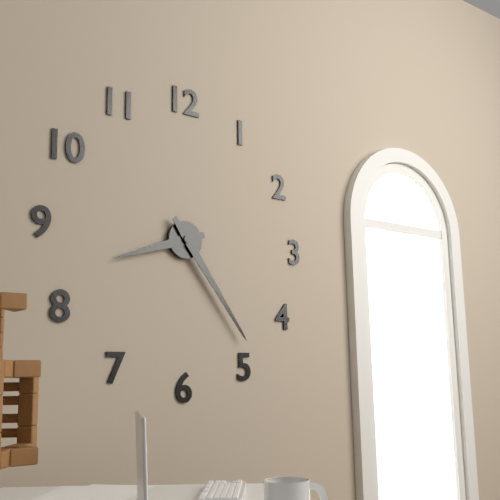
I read {"hour": 8, "minute": 24}
